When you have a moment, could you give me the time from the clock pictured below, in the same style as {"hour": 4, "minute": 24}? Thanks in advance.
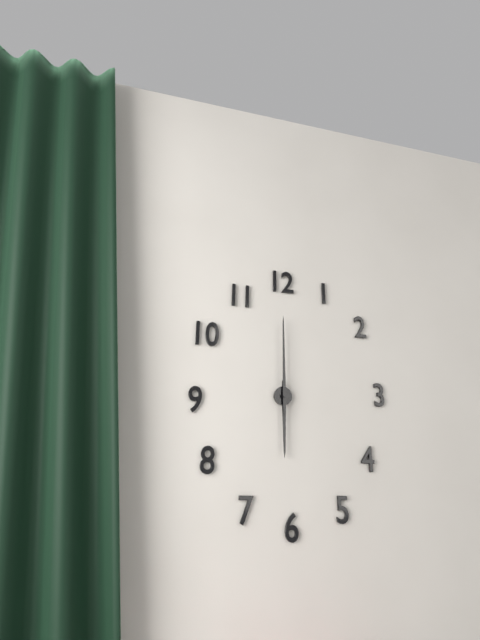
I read {"hour": 6, "minute": 0}
